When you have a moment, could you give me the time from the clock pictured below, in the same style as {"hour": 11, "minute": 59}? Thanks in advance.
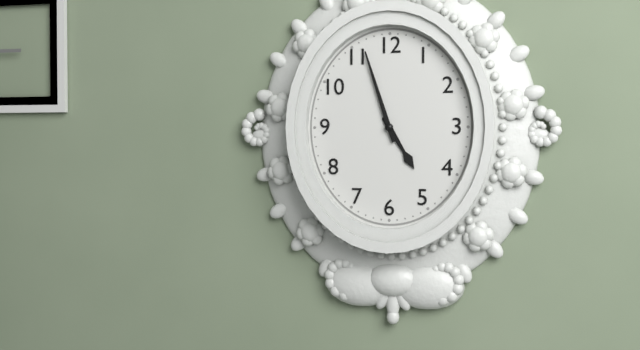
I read {"hour": 4, "minute": 57}
